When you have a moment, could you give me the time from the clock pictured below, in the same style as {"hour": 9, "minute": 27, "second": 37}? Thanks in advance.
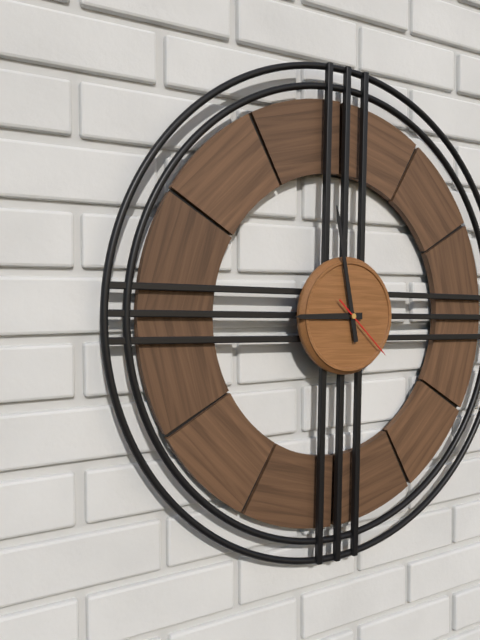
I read {"hour": 8, "minute": 58, "second": 22}
